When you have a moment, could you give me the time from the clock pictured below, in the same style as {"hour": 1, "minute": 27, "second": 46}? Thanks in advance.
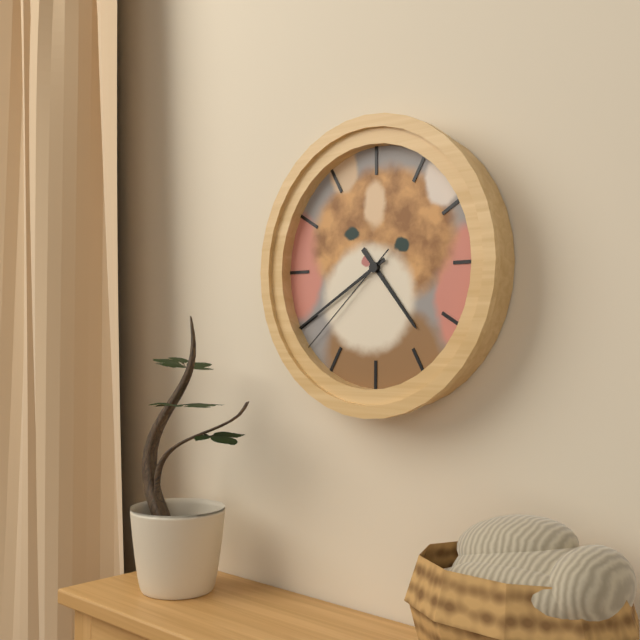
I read {"hour": 4, "minute": 40, "second": 38}
